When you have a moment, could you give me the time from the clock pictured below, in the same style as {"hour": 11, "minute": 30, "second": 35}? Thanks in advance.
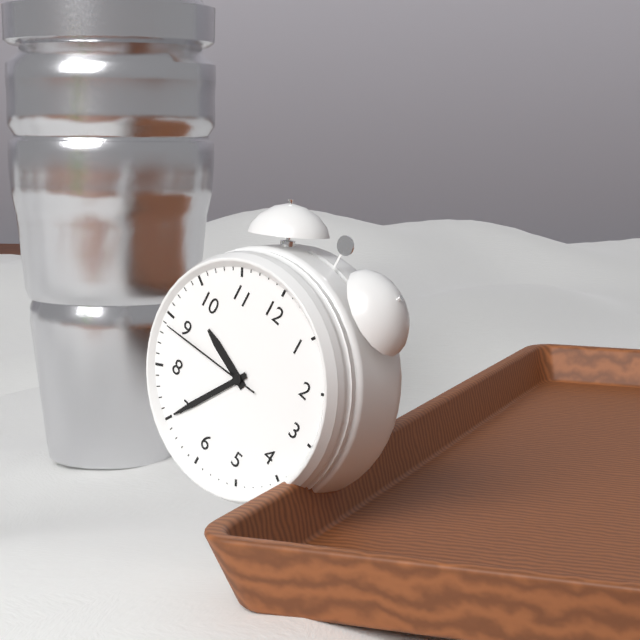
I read {"hour": 9, "minute": 35, "second": 44}
